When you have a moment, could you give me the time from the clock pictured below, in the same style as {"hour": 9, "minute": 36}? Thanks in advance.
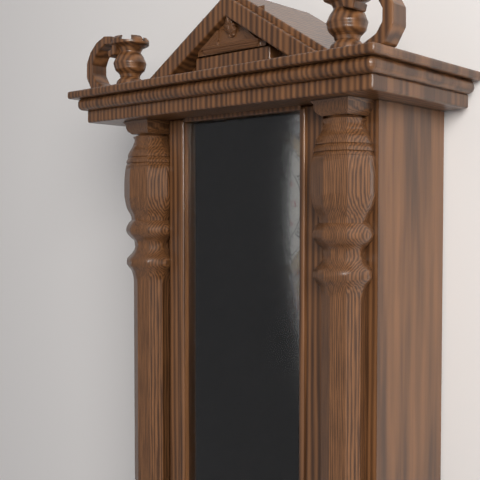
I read {"hour": 9, "minute": 31}
